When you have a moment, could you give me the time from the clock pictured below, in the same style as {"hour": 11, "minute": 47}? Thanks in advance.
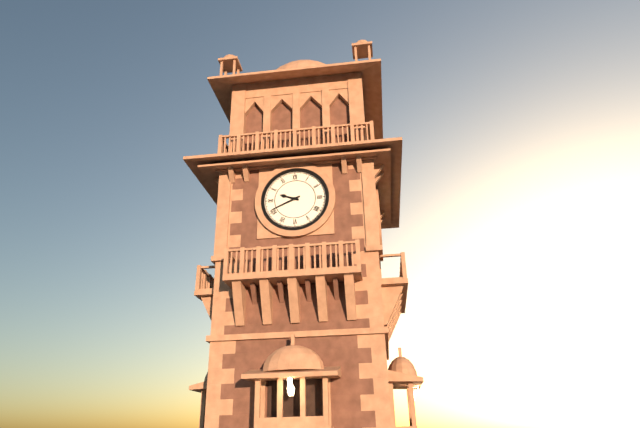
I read {"hour": 9, "minute": 41}
